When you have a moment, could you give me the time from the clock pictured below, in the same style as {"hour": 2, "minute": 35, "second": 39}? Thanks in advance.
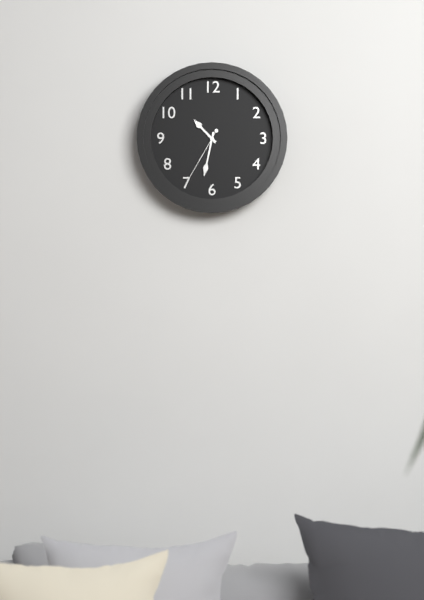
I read {"hour": 10, "minute": 32, "second": 35}
